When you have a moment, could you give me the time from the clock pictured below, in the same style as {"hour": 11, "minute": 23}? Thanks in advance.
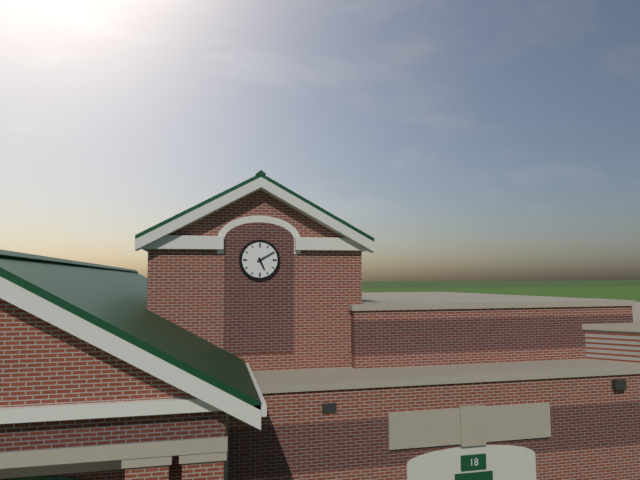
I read {"hour": 5, "minute": 10}
